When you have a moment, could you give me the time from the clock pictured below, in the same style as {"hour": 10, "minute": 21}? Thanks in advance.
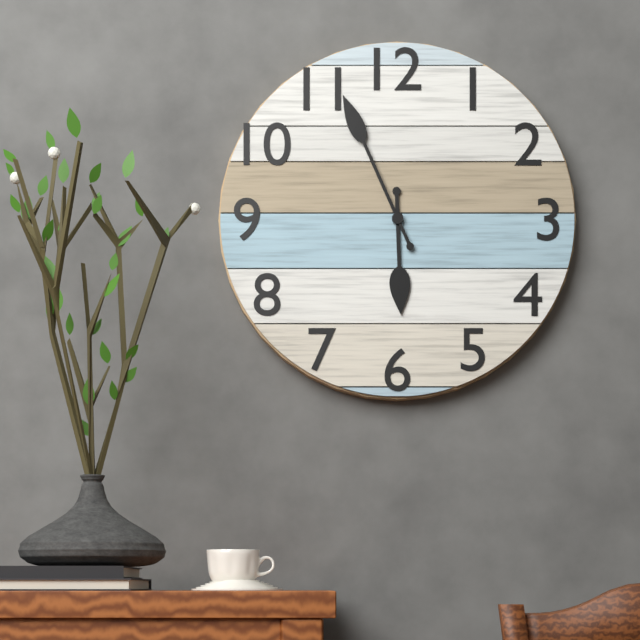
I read {"hour": 5, "minute": 56}
